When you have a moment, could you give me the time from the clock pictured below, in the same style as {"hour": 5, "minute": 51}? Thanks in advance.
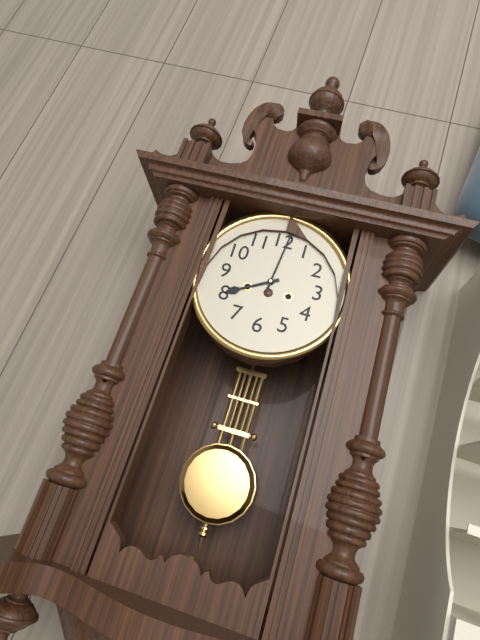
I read {"hour": 8, "minute": 1}
